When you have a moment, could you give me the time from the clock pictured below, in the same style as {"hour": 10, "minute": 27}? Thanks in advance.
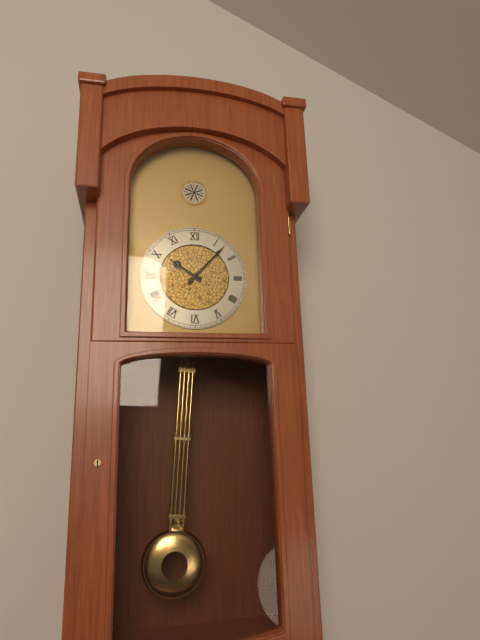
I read {"hour": 10, "minute": 7}
